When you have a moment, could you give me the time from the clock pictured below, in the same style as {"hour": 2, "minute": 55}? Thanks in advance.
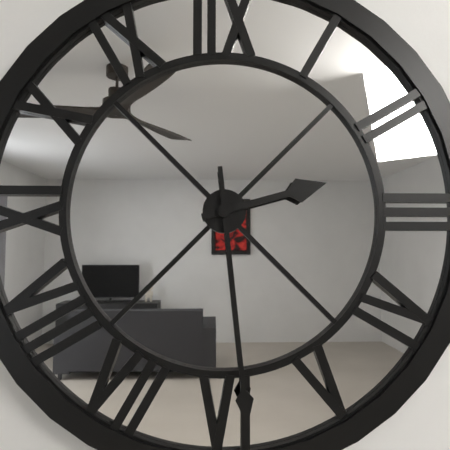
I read {"hour": 2, "minute": 29}
